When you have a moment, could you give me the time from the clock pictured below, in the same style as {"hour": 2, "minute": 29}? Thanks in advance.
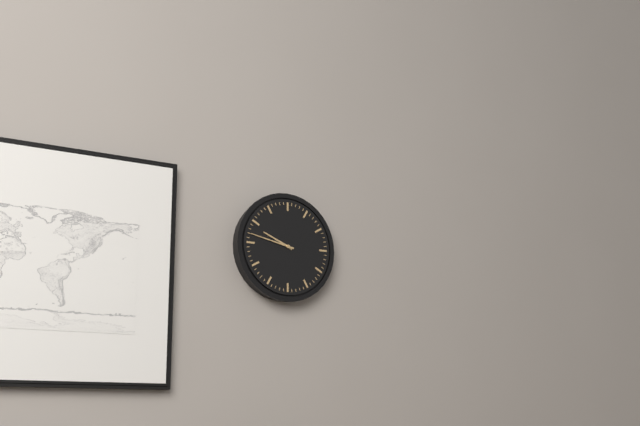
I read {"hour": 9, "minute": 47}
